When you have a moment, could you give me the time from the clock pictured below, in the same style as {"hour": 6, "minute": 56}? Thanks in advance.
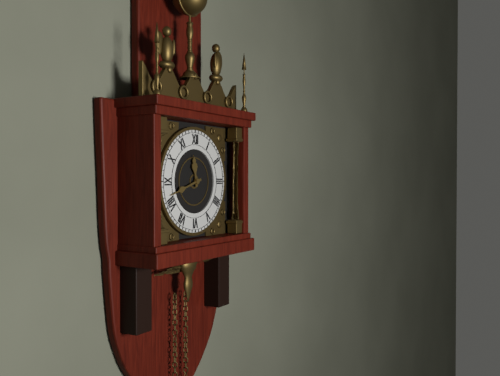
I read {"hour": 11, "minute": 42}
